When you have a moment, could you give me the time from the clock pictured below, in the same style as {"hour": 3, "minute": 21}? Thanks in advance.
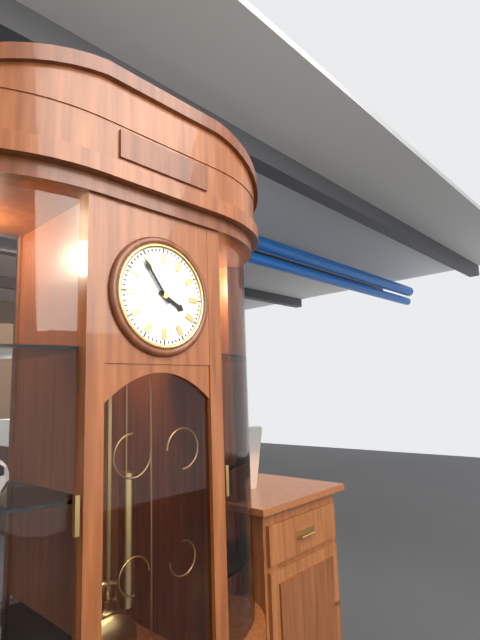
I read {"hour": 3, "minute": 54}
